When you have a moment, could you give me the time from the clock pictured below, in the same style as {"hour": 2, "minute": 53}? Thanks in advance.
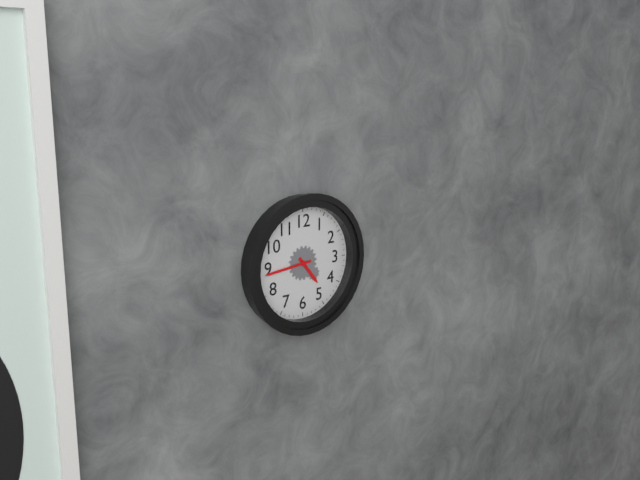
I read {"hour": 4, "minute": 44}
